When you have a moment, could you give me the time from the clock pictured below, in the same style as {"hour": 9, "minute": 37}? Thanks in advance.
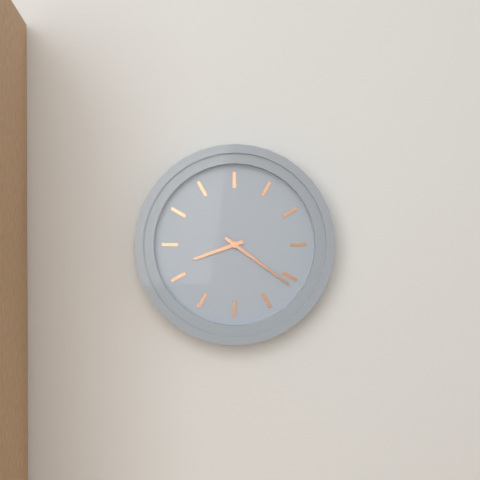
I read {"hour": 8, "minute": 21}
